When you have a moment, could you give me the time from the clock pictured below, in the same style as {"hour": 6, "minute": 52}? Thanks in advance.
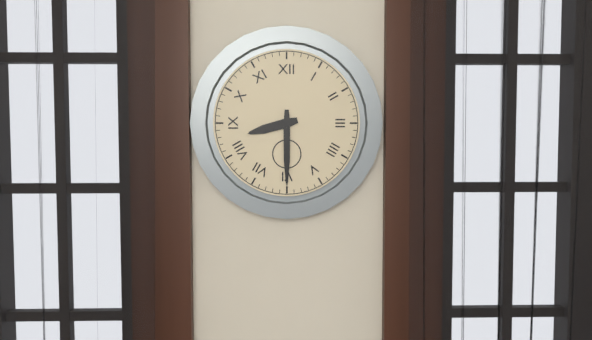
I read {"hour": 8, "minute": 30}
